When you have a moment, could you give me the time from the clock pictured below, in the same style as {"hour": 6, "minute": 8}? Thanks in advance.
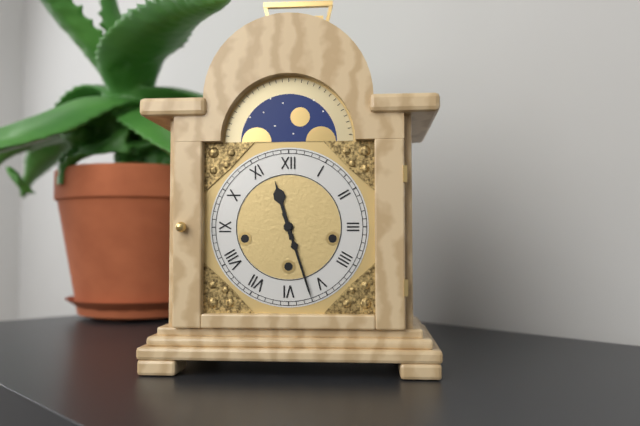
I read {"hour": 11, "minute": 27}
